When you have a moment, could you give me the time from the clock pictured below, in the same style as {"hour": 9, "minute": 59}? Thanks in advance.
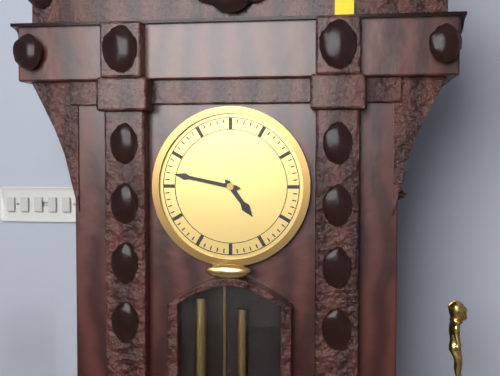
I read {"hour": 4, "minute": 47}
